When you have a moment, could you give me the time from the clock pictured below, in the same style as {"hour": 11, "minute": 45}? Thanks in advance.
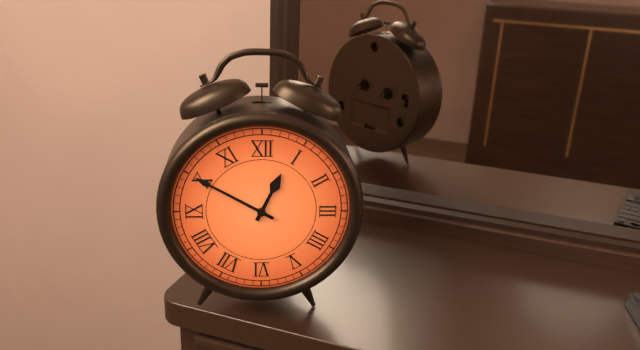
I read {"hour": 12, "minute": 50}
